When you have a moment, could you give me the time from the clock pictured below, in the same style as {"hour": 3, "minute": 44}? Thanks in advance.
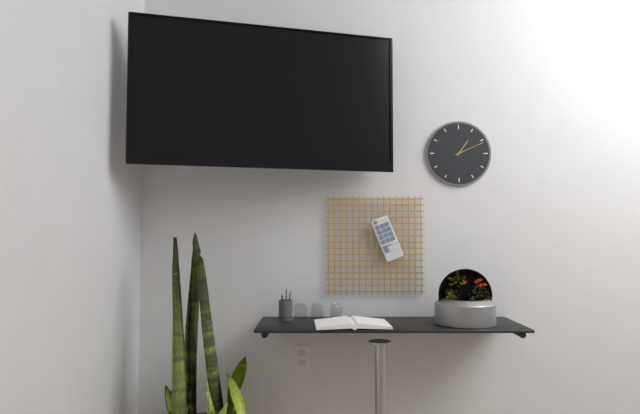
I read {"hour": 1, "minute": 11}
